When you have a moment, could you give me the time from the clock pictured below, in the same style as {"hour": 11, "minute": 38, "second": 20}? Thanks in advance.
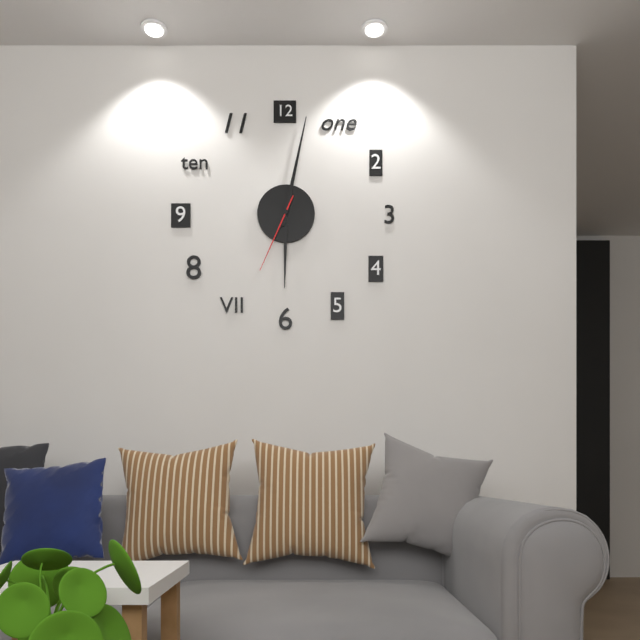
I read {"hour": 6, "minute": 2, "second": 34}
